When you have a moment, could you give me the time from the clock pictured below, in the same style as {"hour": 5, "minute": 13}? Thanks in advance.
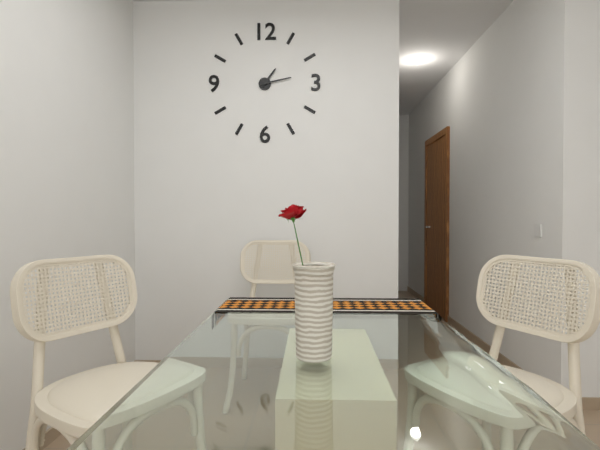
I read {"hour": 1, "minute": 13}
